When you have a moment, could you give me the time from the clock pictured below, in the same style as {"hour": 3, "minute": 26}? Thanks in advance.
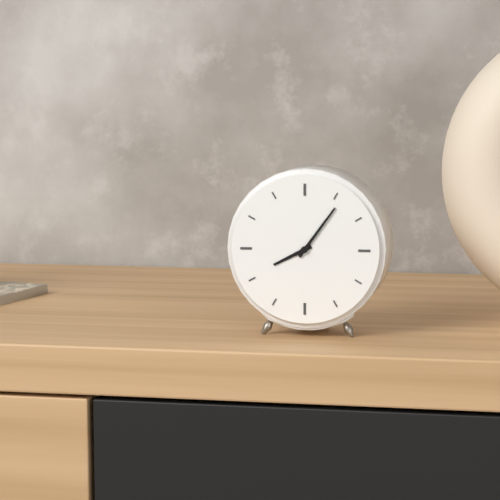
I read {"hour": 8, "minute": 6}
